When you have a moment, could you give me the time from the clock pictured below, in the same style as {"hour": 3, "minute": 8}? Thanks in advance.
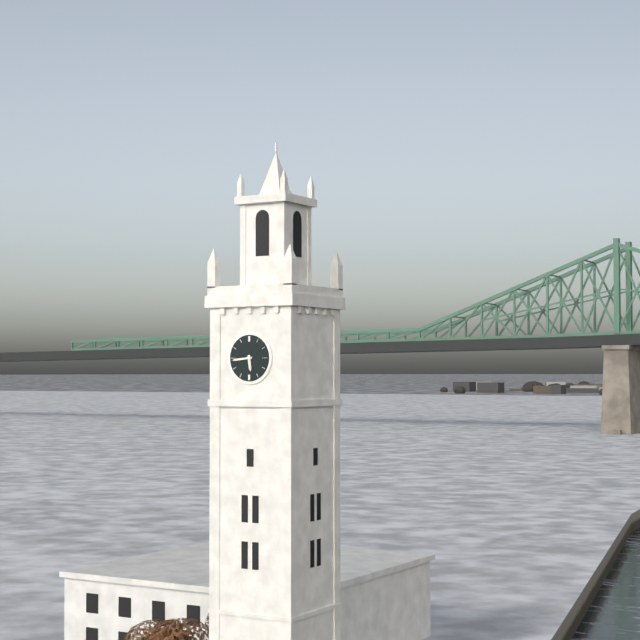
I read {"hour": 5, "minute": 44}
